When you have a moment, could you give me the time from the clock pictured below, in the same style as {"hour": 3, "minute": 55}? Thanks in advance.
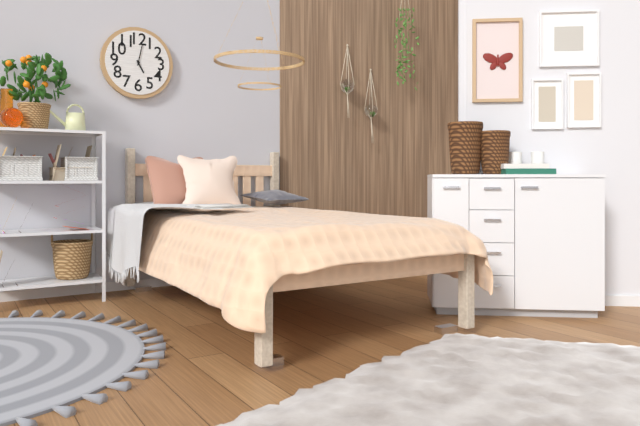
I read {"hour": 5, "minute": 2}
